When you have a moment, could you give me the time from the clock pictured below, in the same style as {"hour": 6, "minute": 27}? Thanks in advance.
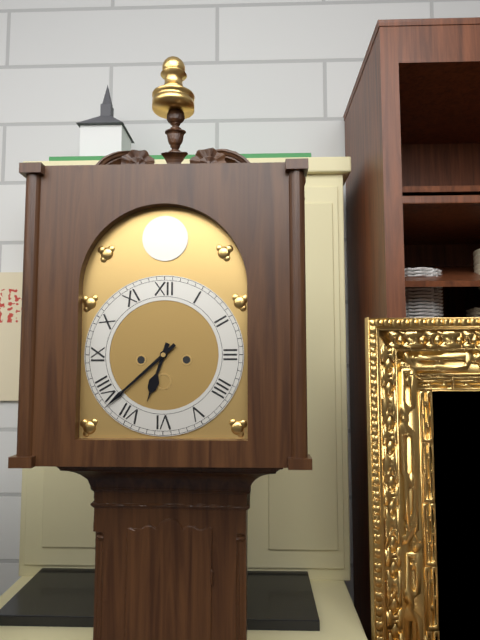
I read {"hour": 6, "minute": 38}
